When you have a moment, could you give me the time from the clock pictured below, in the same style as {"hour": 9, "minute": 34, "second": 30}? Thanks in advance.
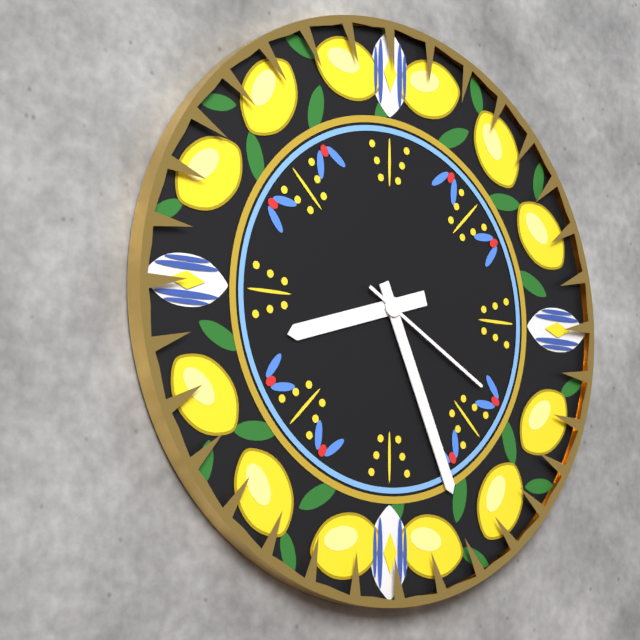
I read {"hour": 8, "minute": 26, "second": 20}
